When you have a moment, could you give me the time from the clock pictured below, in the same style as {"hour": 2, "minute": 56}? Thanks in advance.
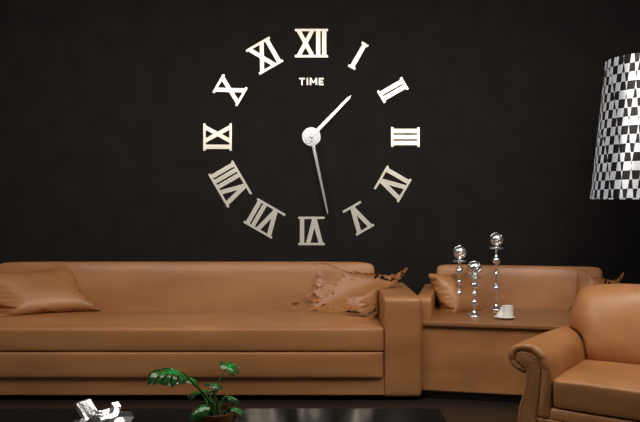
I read {"hour": 1, "minute": 28}
